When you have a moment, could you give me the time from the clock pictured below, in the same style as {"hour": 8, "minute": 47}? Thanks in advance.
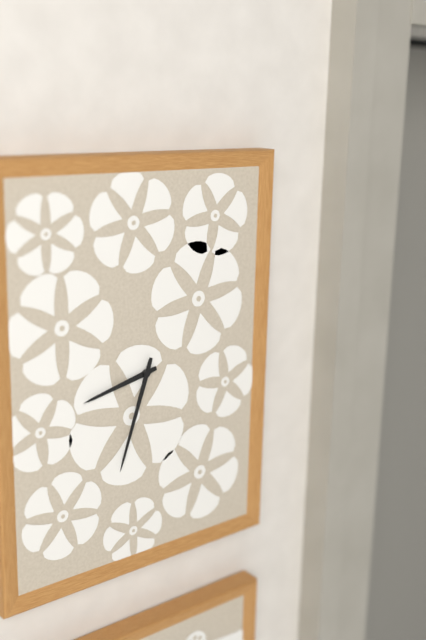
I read {"hour": 8, "minute": 33}
